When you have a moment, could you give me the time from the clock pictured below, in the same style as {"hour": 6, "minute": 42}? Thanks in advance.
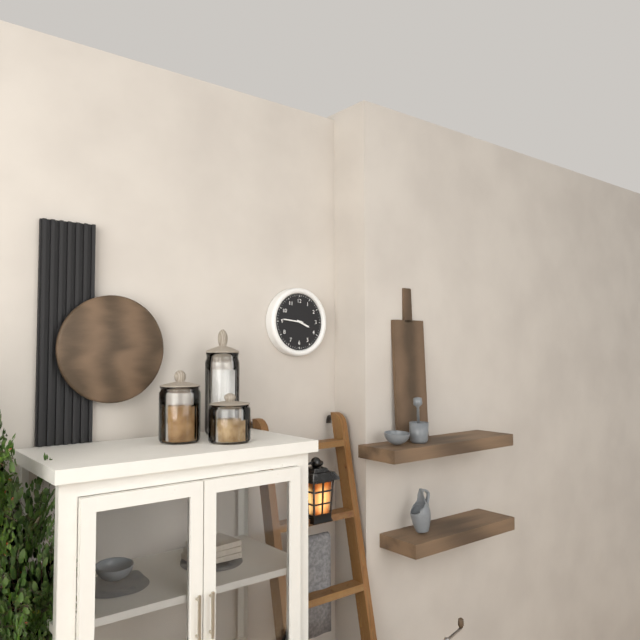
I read {"hour": 3, "minute": 46}
